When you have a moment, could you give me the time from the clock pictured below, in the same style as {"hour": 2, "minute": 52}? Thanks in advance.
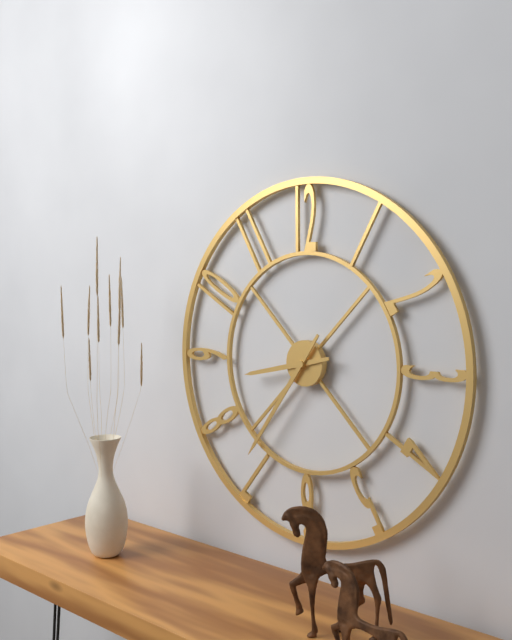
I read {"hour": 8, "minute": 36}
